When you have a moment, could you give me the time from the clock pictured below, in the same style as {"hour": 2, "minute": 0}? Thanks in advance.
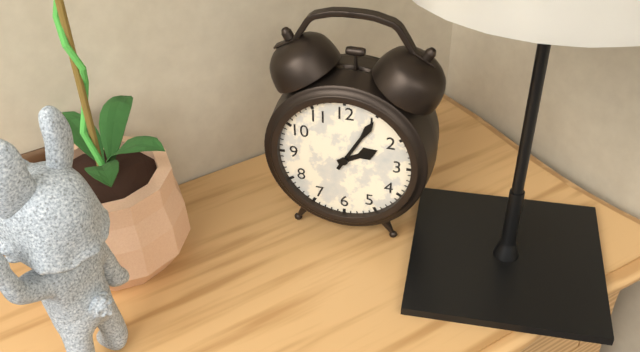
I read {"hour": 2, "minute": 5}
